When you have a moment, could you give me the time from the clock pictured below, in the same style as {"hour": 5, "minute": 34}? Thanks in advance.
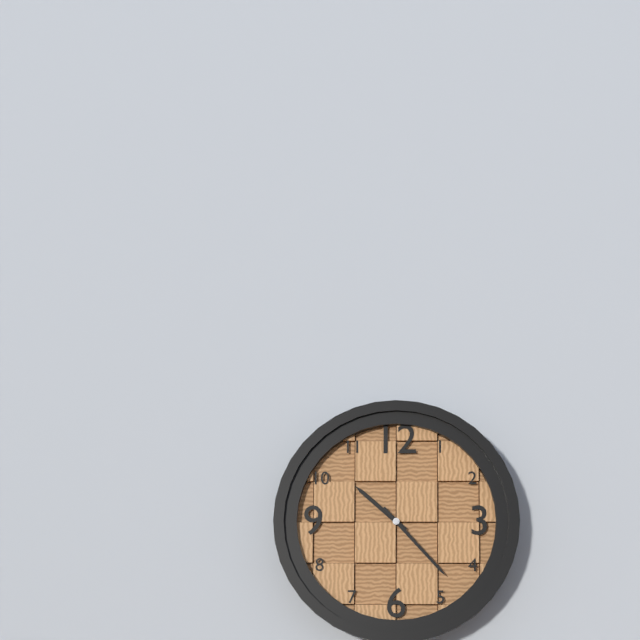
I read {"hour": 10, "minute": 23}
